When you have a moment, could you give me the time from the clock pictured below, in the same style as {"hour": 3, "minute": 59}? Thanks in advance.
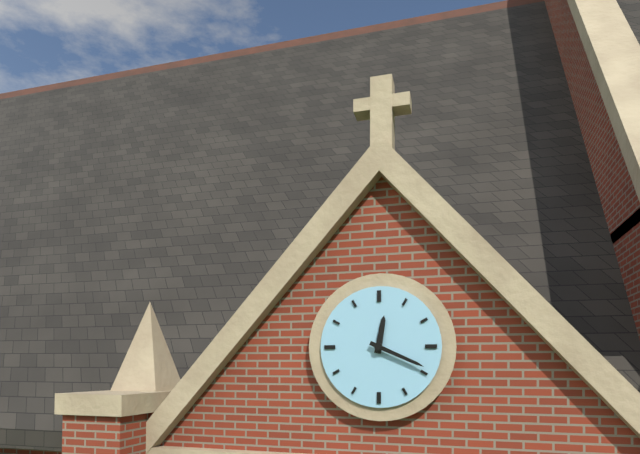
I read {"hour": 12, "minute": 19}
